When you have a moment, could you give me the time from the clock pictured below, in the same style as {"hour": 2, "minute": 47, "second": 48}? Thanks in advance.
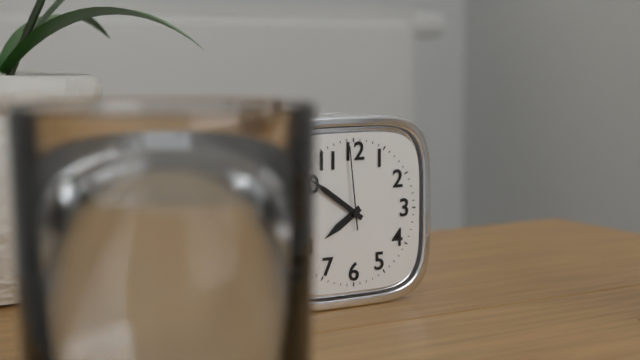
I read {"hour": 7, "minute": 51, "second": 59}
